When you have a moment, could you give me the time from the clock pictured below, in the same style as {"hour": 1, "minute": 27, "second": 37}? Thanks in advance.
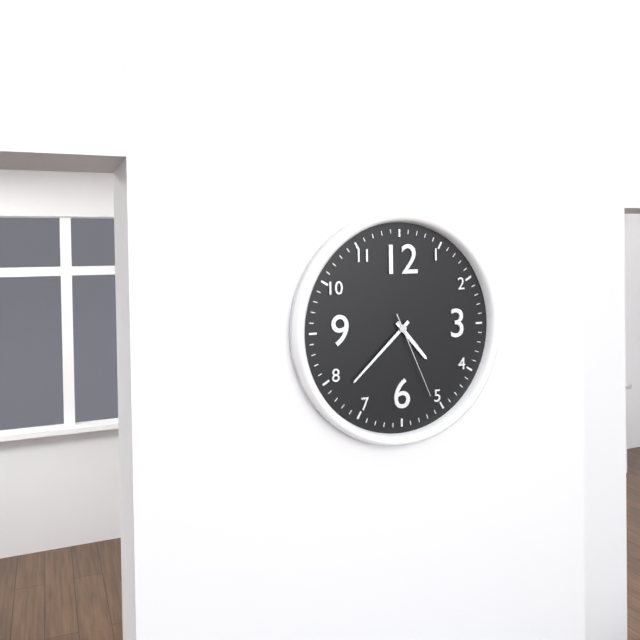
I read {"hour": 4, "minute": 38, "second": 26}
